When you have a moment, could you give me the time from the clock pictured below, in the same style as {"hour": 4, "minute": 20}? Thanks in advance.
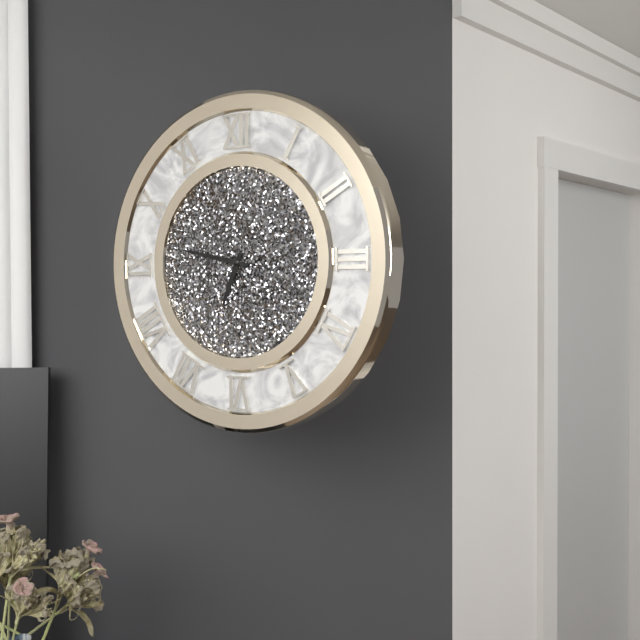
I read {"hour": 6, "minute": 47}
